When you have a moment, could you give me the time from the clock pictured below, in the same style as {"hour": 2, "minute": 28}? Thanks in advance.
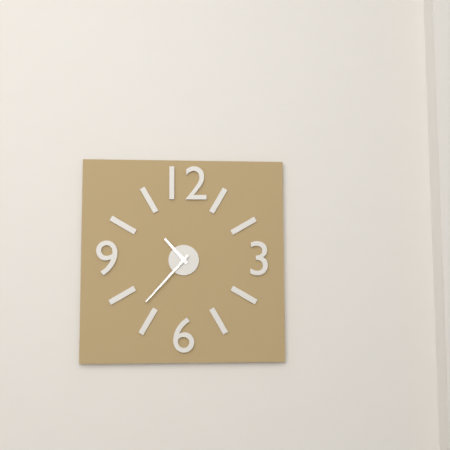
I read {"hour": 10, "minute": 37}
